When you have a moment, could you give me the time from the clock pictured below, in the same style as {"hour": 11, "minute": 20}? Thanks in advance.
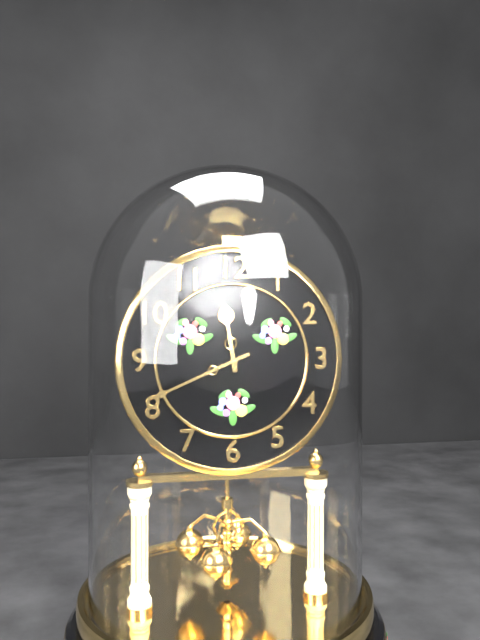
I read {"hour": 11, "minute": 41}
